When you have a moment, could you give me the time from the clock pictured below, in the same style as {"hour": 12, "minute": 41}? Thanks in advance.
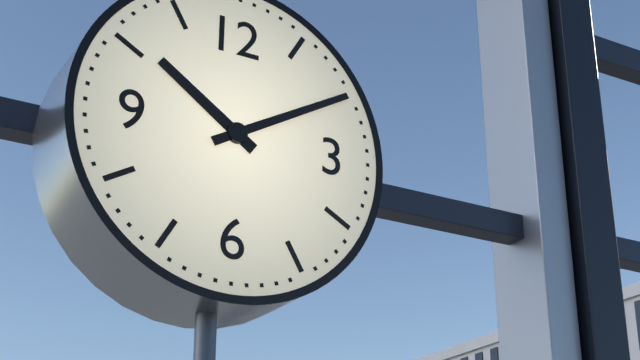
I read {"hour": 10, "minute": 10}
